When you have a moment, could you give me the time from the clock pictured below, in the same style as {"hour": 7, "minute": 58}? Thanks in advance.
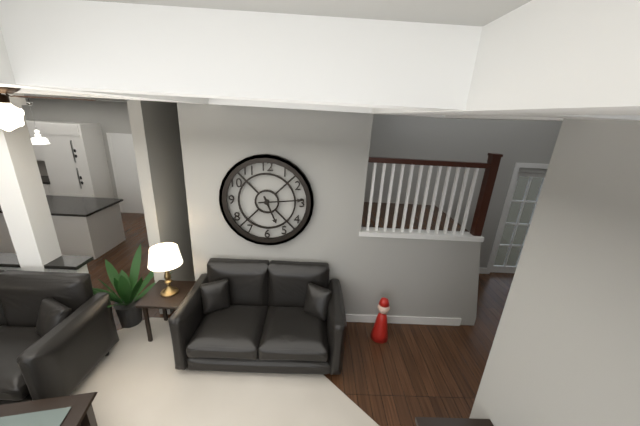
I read {"hour": 5, "minute": 14}
